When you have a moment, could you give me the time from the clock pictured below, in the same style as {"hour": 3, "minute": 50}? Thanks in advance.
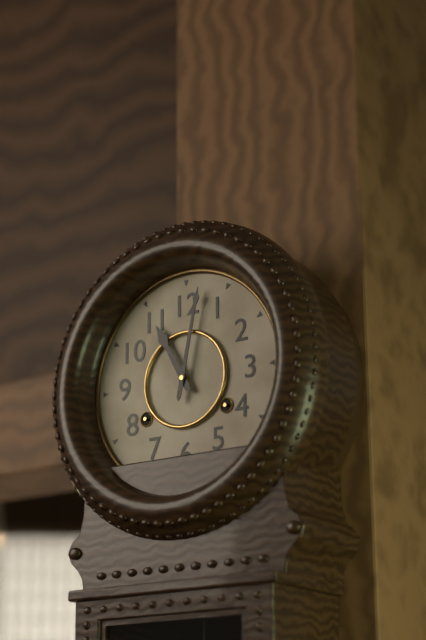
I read {"hour": 11, "minute": 2}
